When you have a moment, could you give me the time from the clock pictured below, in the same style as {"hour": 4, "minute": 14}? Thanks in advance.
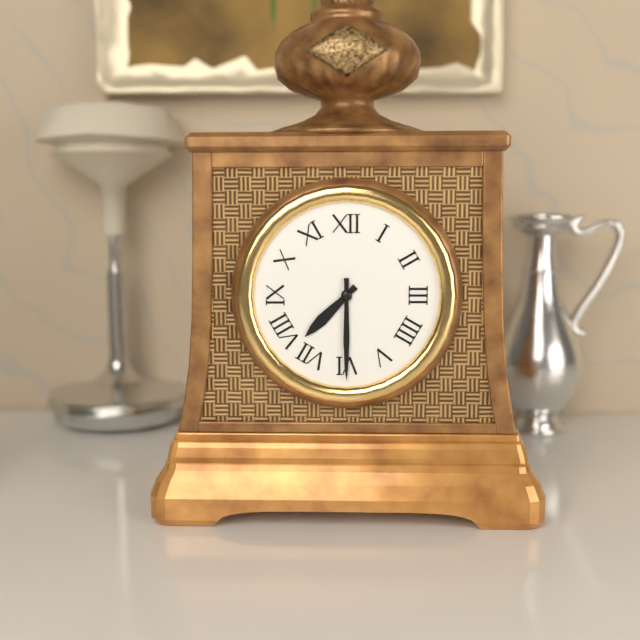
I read {"hour": 7, "minute": 30}
